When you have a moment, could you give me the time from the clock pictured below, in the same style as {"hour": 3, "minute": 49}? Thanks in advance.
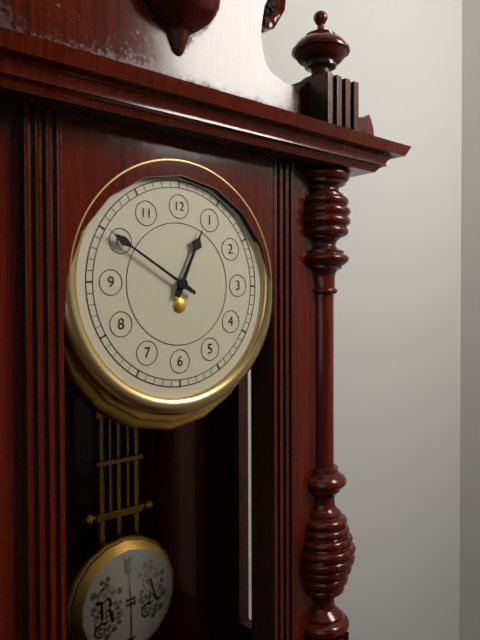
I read {"hour": 12, "minute": 50}
